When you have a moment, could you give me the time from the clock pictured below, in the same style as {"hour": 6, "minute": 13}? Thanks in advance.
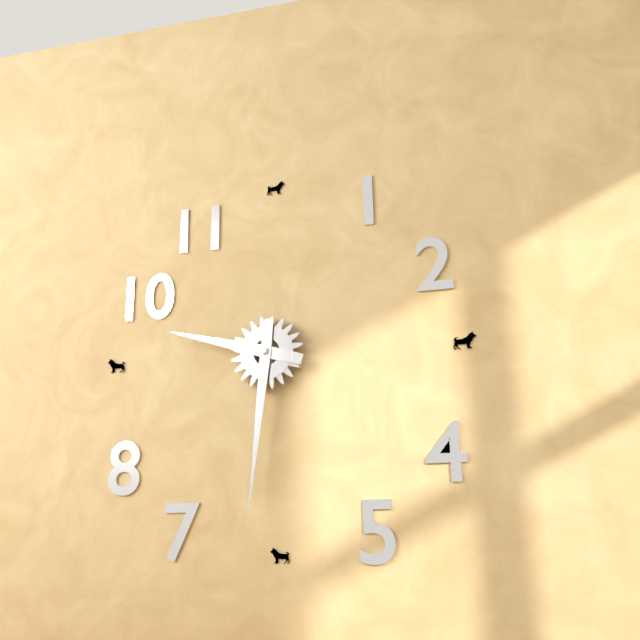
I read {"hour": 9, "minute": 31}
